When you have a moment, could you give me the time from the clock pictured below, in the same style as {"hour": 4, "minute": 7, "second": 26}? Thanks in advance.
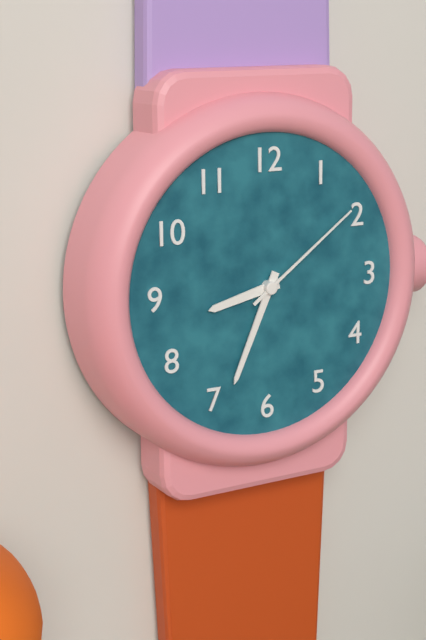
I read {"hour": 8, "minute": 34, "second": 9}
